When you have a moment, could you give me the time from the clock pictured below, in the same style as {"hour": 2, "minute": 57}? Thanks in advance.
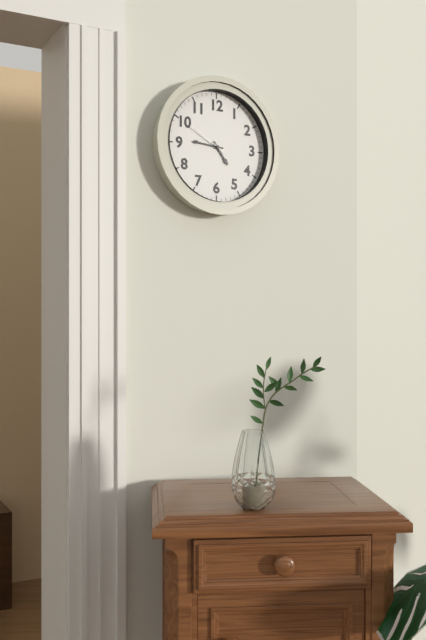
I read {"hour": 4, "minute": 46}
